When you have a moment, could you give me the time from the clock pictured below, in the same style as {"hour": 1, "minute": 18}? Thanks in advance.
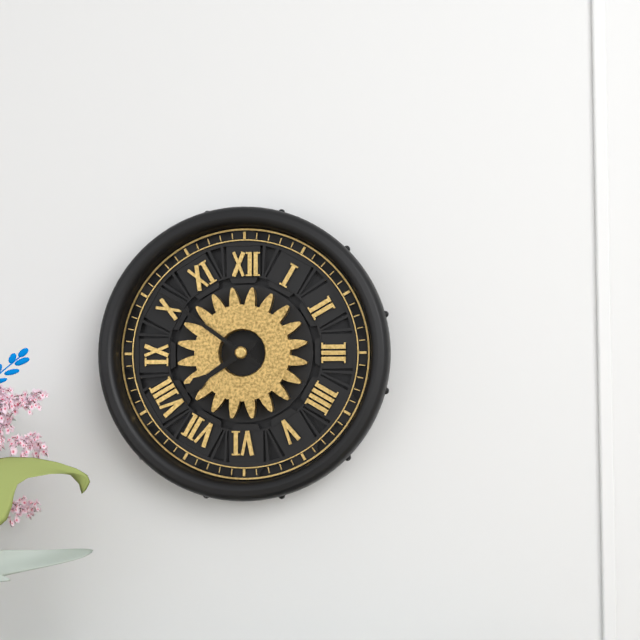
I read {"hour": 7, "minute": 51}
